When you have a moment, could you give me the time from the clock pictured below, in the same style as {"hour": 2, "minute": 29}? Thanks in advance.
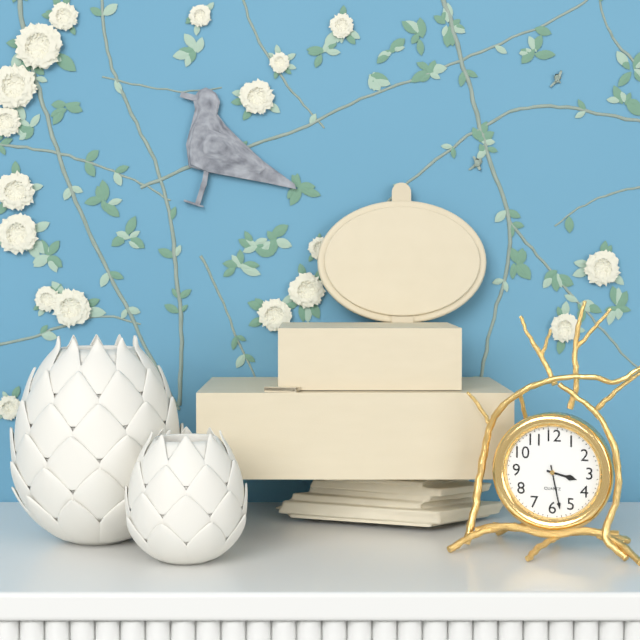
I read {"hour": 3, "minute": 28}
